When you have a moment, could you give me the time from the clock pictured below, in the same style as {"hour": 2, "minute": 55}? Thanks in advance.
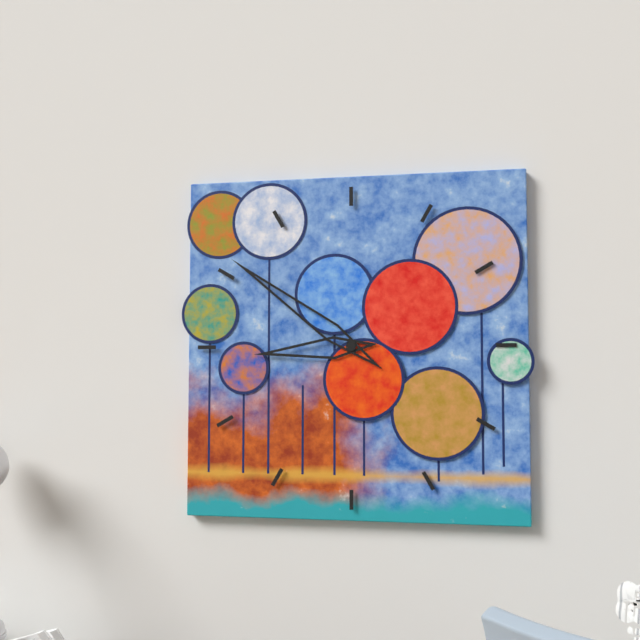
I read {"hour": 8, "minute": 51}
